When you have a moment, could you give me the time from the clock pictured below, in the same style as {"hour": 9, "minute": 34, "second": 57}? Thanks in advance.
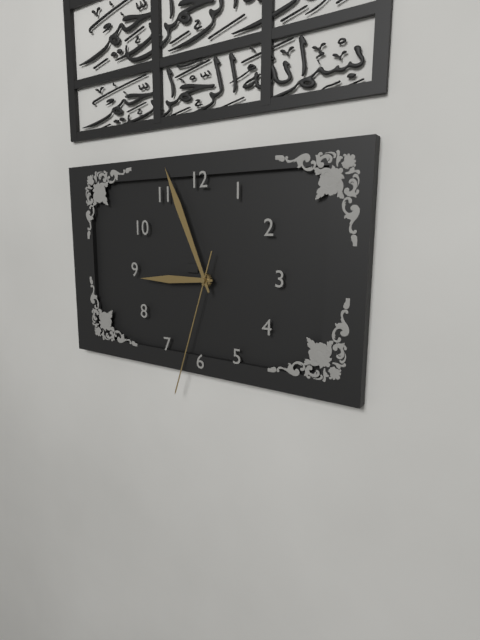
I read {"hour": 8, "minute": 56, "second": 33}
